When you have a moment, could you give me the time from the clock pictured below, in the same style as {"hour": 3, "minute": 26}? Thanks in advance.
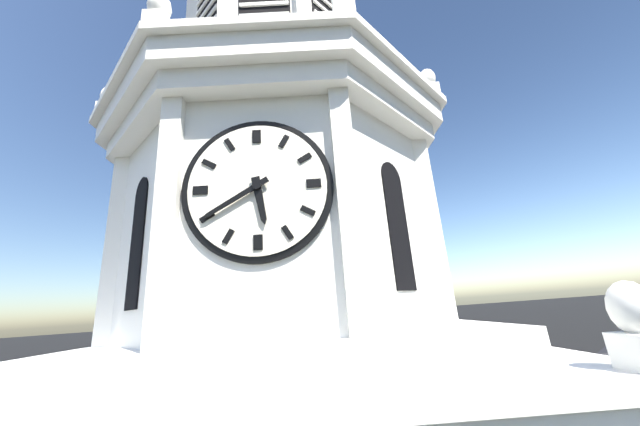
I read {"hour": 5, "minute": 40}
